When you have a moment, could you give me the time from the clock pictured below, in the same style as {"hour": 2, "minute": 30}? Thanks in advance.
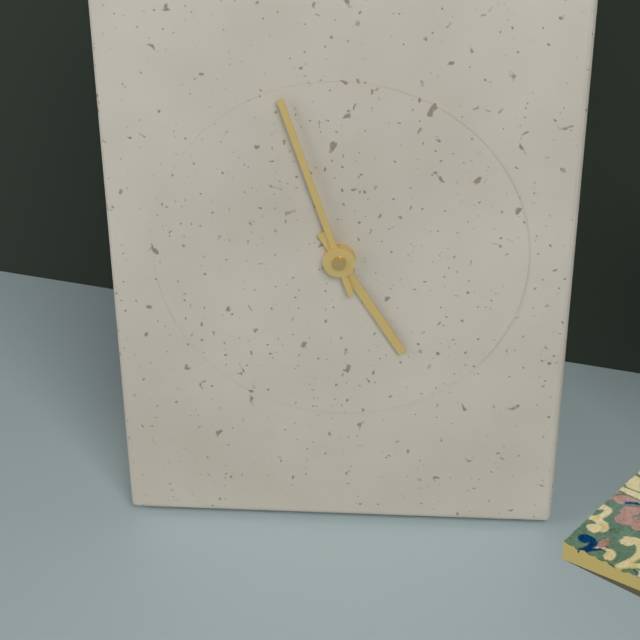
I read {"hour": 4, "minute": 57}
